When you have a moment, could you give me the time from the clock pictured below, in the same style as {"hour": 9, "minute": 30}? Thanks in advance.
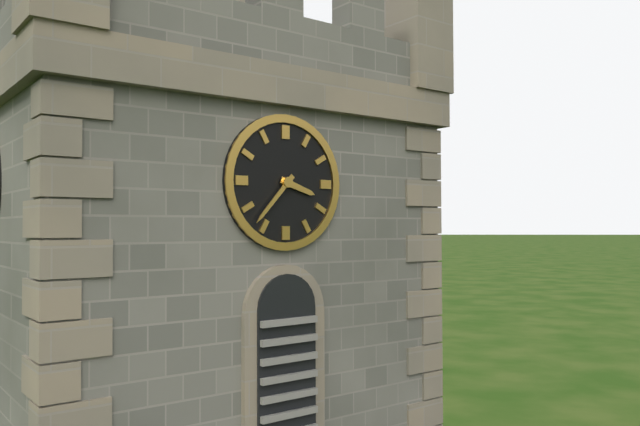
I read {"hour": 3, "minute": 37}
